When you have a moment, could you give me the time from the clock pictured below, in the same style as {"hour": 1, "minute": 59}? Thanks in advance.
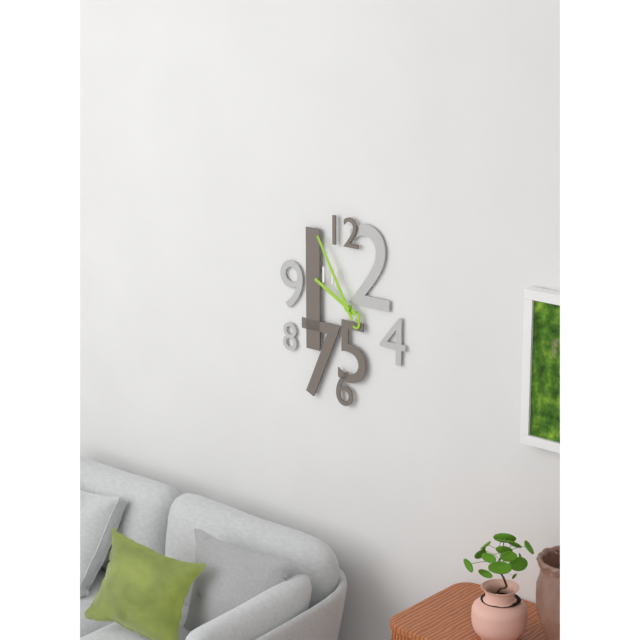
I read {"hour": 9, "minute": 55}
